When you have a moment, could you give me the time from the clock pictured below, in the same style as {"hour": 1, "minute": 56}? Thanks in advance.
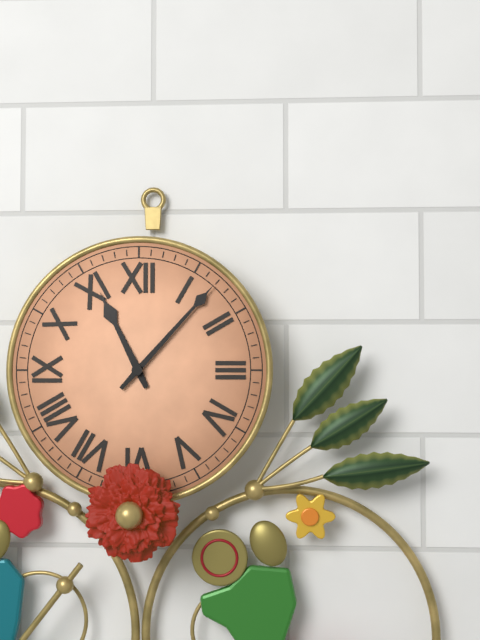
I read {"hour": 11, "minute": 7}
